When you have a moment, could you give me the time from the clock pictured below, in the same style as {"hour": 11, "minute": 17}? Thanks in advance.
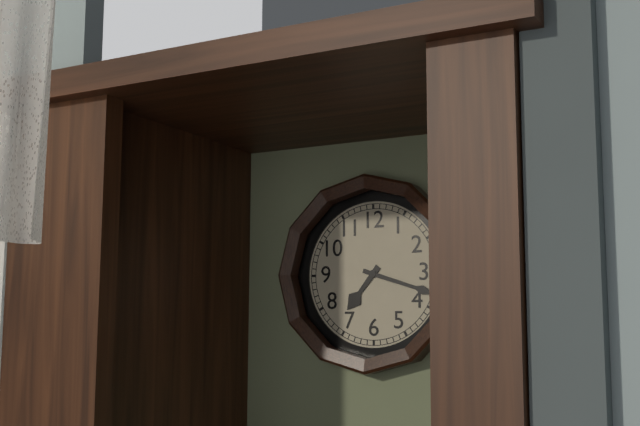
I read {"hour": 7, "minute": 18}
